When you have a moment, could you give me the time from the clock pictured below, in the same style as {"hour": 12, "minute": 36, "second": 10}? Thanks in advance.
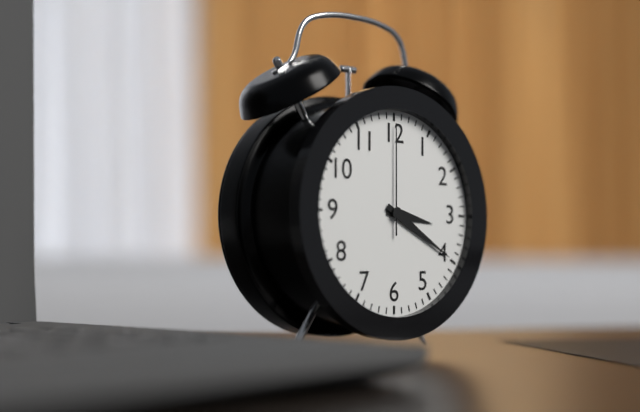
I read {"hour": 3, "minute": 20, "second": 0}
